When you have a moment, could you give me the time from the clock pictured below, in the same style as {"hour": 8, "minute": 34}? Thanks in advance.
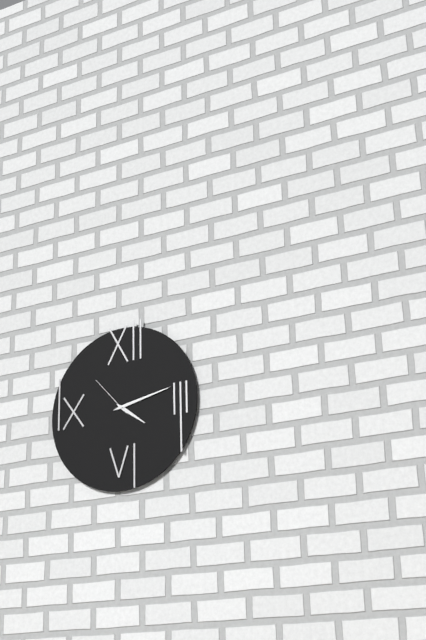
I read {"hour": 4, "minute": 13}
